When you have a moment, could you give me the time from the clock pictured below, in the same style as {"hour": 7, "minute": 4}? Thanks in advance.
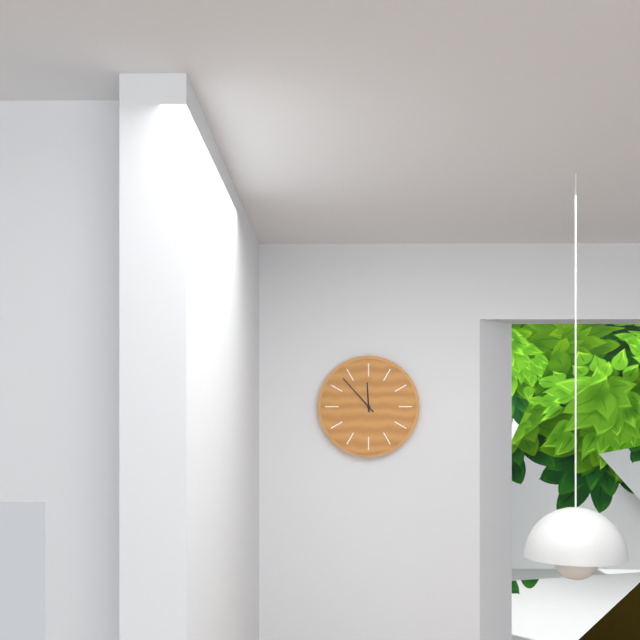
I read {"hour": 11, "minute": 53}
